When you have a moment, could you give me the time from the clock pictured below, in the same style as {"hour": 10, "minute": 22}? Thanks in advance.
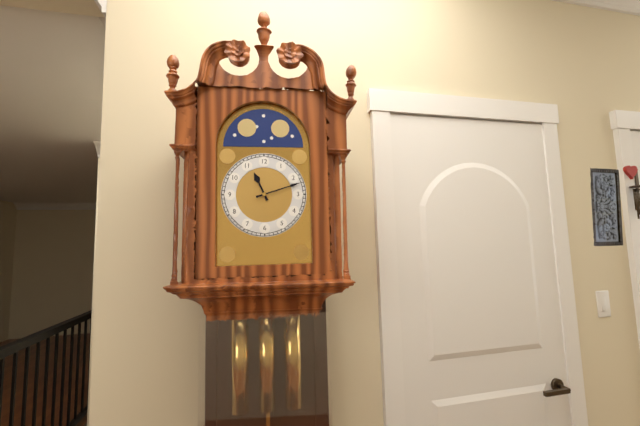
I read {"hour": 11, "minute": 12}
